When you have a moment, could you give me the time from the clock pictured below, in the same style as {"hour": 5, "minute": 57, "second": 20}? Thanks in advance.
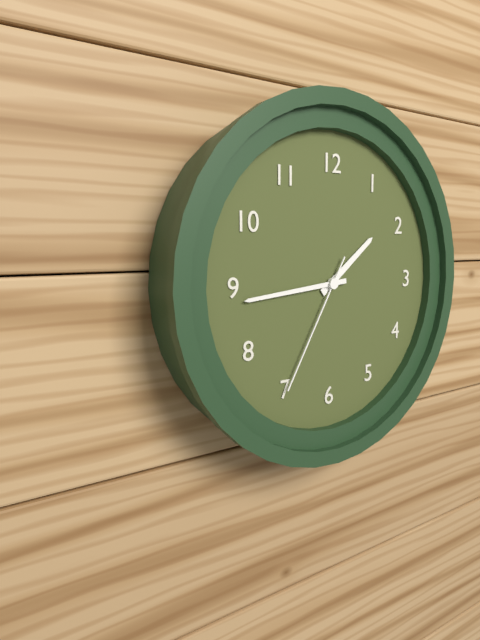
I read {"hour": 1, "minute": 44, "second": 35}
